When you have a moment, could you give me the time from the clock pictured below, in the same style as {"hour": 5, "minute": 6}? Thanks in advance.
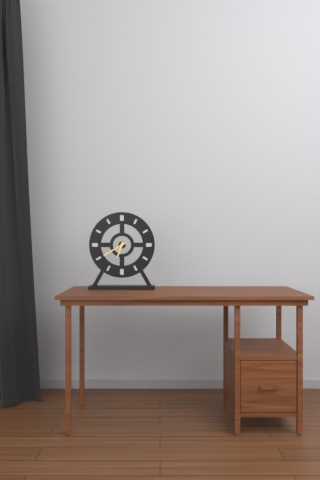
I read {"hour": 6, "minute": 40}
